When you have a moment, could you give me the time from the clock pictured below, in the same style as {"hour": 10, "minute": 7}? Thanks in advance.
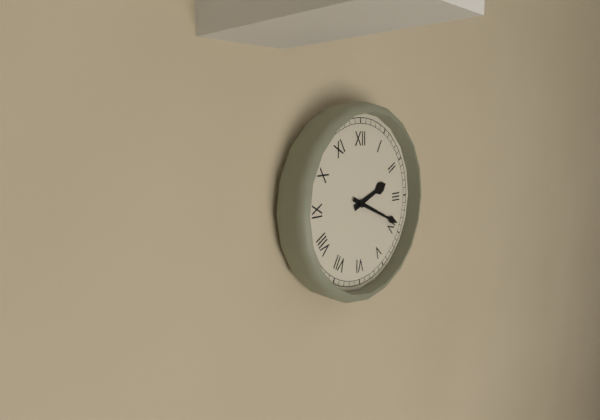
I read {"hour": 2, "minute": 19}
